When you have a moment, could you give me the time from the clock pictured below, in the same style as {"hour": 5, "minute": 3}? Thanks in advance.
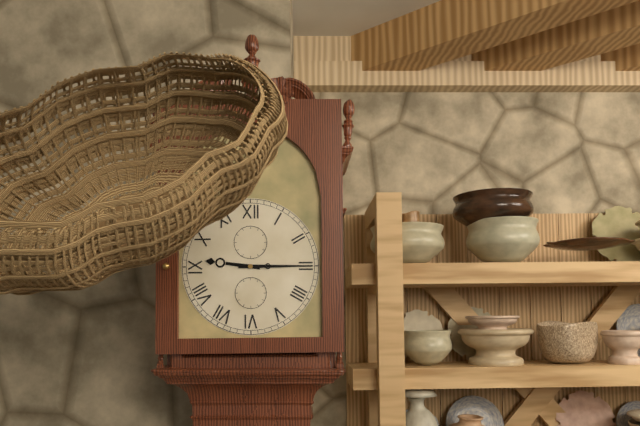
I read {"hour": 9, "minute": 15}
